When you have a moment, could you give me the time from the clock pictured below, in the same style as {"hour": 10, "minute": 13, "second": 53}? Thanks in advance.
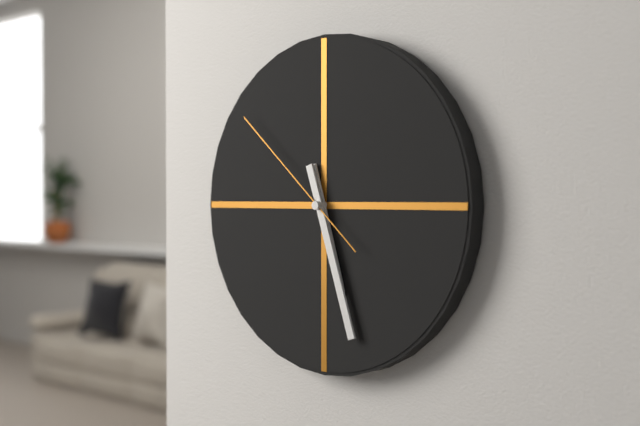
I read {"hour": 5, "minute": 27, "second": 52}
